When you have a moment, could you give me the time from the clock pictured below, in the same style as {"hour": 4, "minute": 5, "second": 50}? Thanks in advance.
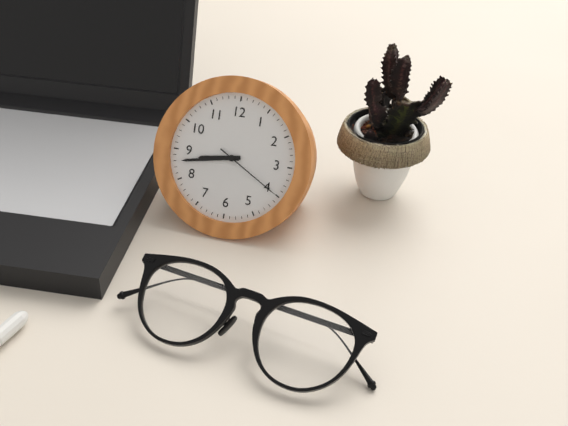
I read {"hour": 8, "minute": 43, "second": 20}
